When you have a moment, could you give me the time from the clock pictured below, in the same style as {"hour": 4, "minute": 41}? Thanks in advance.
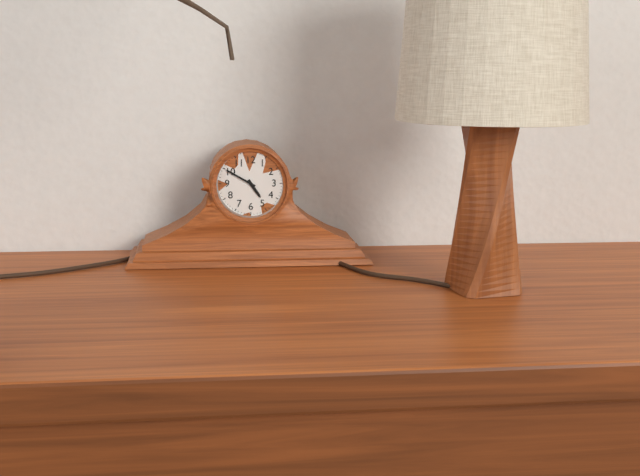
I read {"hour": 4, "minute": 50}
